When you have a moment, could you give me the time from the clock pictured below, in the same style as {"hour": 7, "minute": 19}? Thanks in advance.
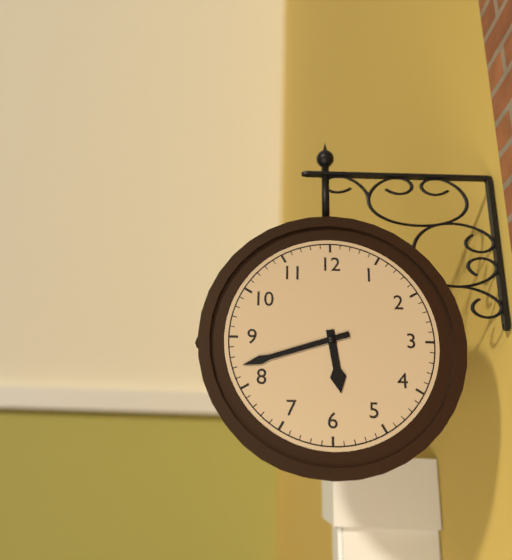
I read {"hour": 5, "minute": 42}
